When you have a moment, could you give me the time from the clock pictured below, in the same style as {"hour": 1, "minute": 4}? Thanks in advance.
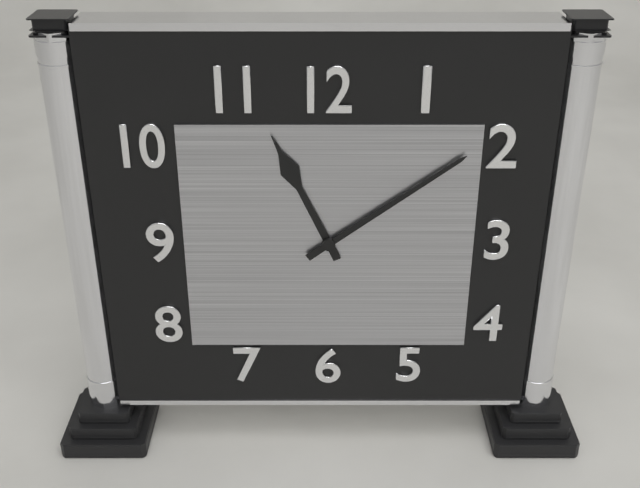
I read {"hour": 11, "minute": 9}
